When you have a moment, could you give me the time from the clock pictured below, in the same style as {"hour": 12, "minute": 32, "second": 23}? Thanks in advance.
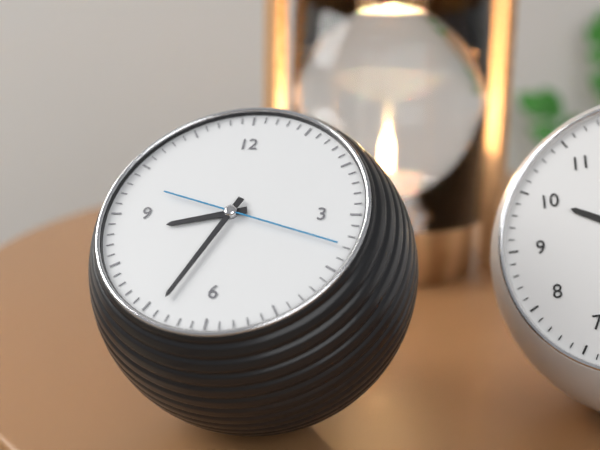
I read {"hour": 8, "minute": 34, "second": 18}
